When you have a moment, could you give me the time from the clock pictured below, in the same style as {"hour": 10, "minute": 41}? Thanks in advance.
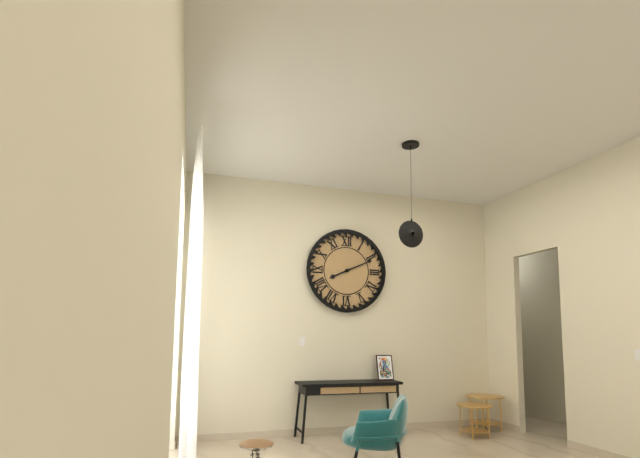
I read {"hour": 8, "minute": 11}
